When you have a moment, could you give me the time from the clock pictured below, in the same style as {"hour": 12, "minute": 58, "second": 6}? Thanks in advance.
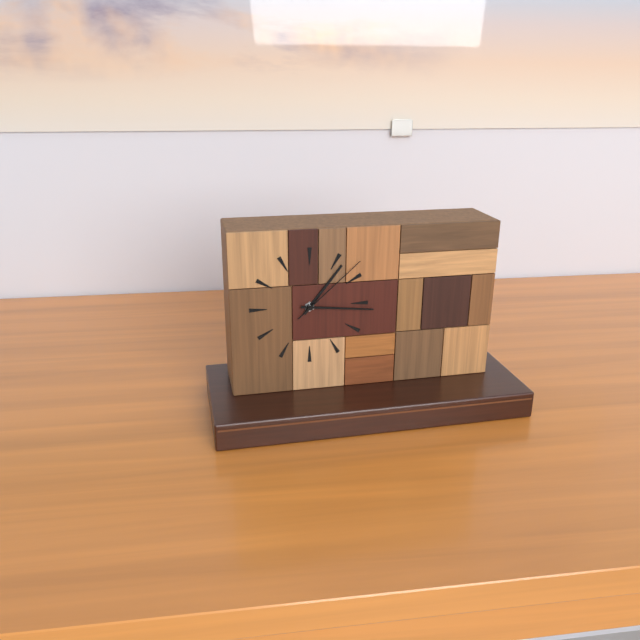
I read {"hour": 1, "minute": 16, "second": 8}
